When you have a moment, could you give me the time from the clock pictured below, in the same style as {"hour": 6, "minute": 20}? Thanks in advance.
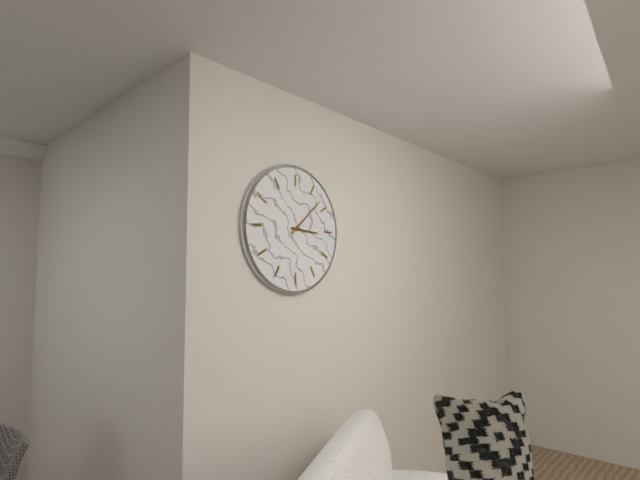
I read {"hour": 3, "minute": 8}
